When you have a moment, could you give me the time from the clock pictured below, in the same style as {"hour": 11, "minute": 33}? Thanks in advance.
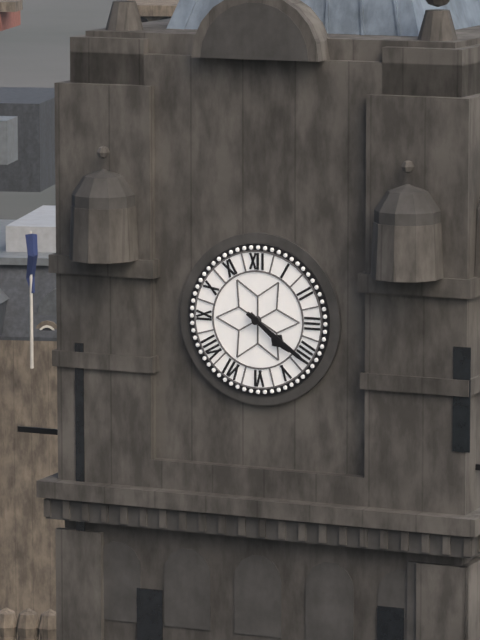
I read {"hour": 4, "minute": 21}
